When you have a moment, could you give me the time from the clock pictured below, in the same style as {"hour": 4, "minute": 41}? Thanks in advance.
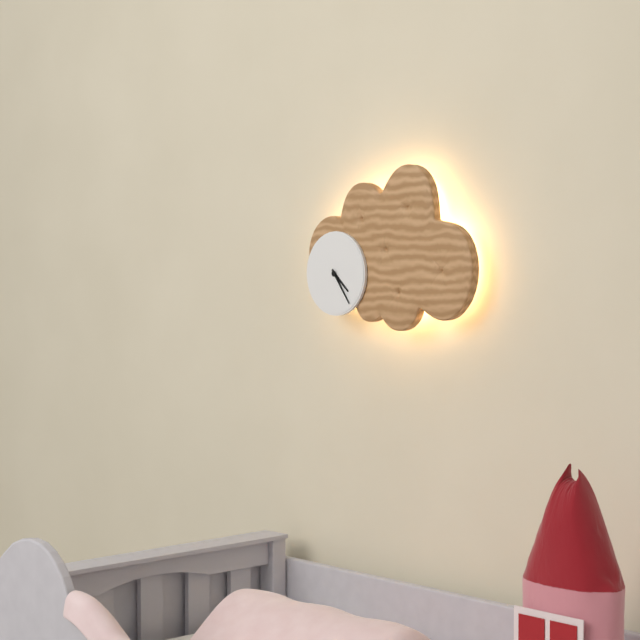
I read {"hour": 4, "minute": 24}
